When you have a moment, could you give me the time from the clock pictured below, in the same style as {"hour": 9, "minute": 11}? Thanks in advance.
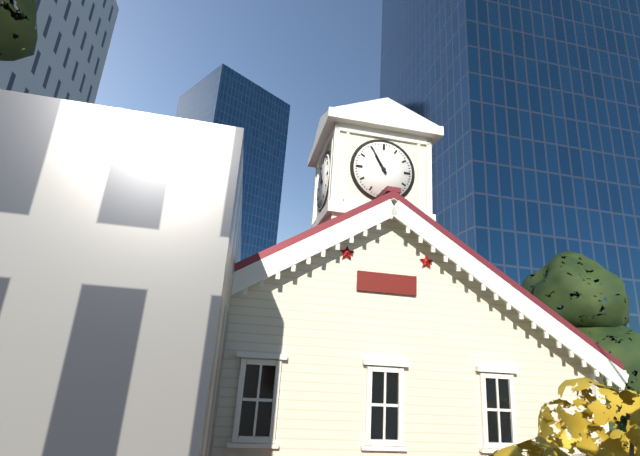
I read {"hour": 10, "minute": 55}
